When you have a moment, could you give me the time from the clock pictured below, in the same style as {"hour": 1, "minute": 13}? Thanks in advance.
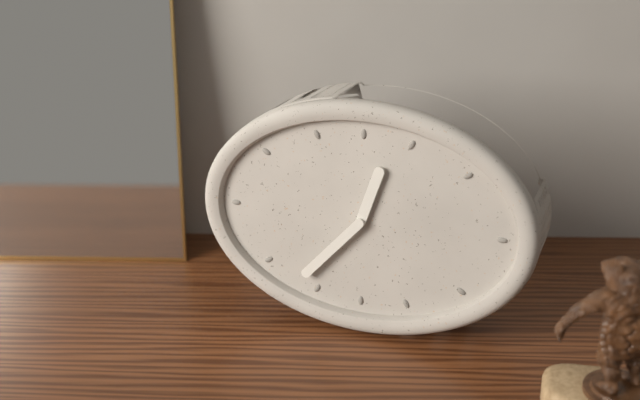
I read {"hour": 12, "minute": 37}
